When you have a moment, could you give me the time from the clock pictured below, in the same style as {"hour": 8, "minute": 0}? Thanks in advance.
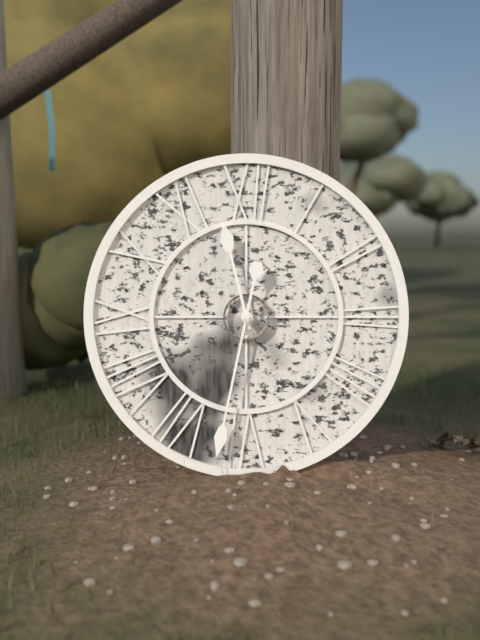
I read {"hour": 11, "minute": 32}
